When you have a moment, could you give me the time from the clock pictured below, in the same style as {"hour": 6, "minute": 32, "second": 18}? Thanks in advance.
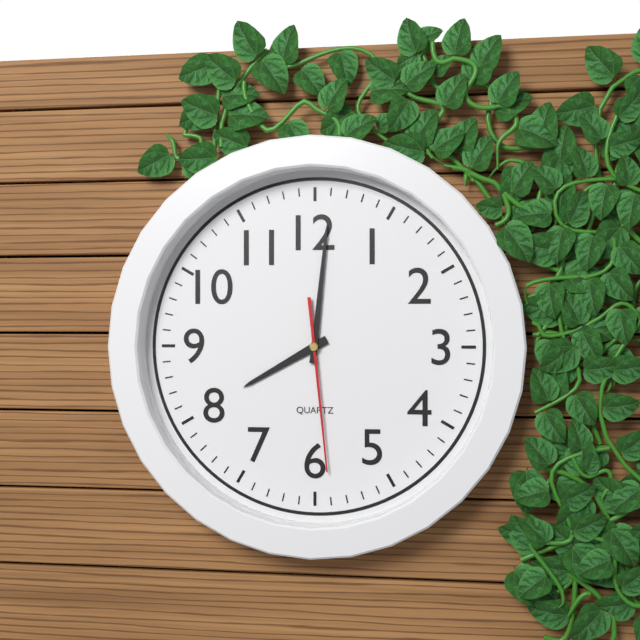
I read {"hour": 8, "minute": 1, "second": 29}
